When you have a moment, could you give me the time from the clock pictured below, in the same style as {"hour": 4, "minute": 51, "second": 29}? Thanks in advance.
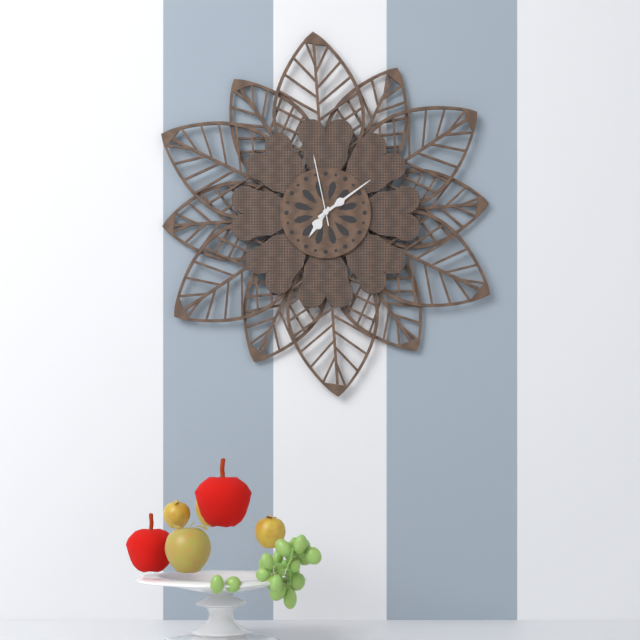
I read {"hour": 7, "minute": 9, "second": 58}
